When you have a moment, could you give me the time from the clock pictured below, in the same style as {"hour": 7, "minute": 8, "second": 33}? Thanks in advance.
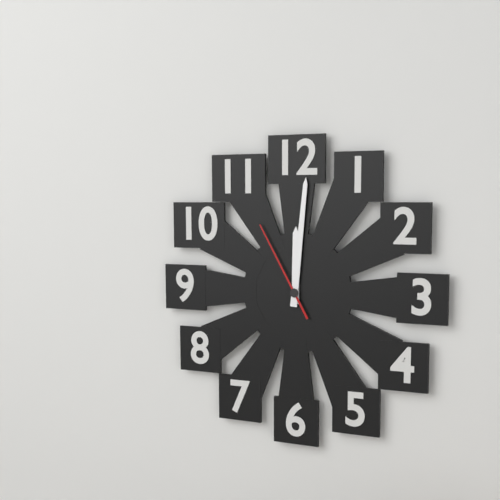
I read {"hour": 12, "minute": 1, "second": 55}
